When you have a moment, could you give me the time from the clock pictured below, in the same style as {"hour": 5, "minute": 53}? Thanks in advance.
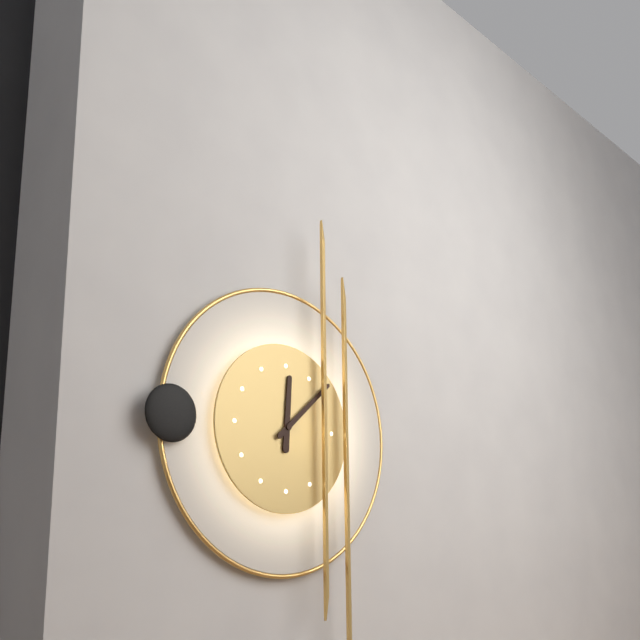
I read {"hour": 12, "minute": 8}
